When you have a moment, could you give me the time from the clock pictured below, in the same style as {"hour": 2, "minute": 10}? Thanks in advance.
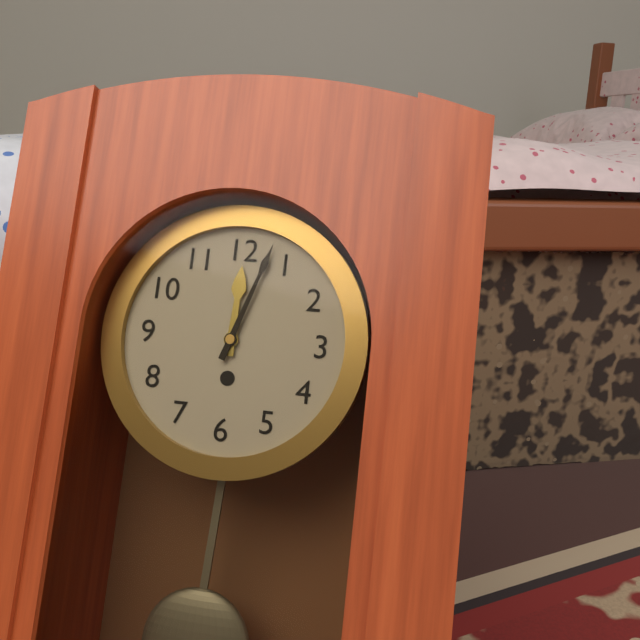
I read {"hour": 12, "minute": 3}
